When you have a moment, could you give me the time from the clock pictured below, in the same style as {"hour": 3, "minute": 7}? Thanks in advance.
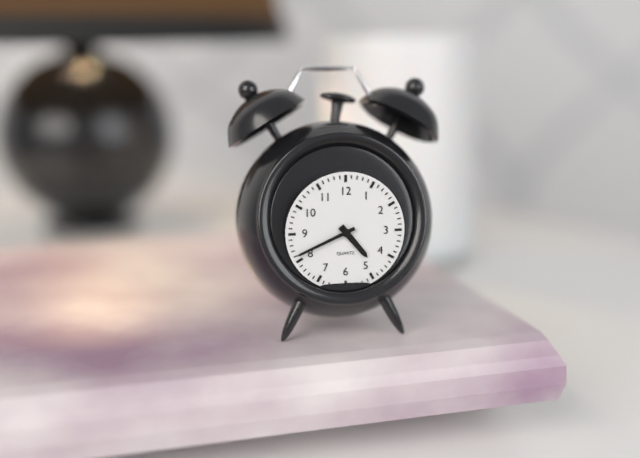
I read {"hour": 4, "minute": 41}
